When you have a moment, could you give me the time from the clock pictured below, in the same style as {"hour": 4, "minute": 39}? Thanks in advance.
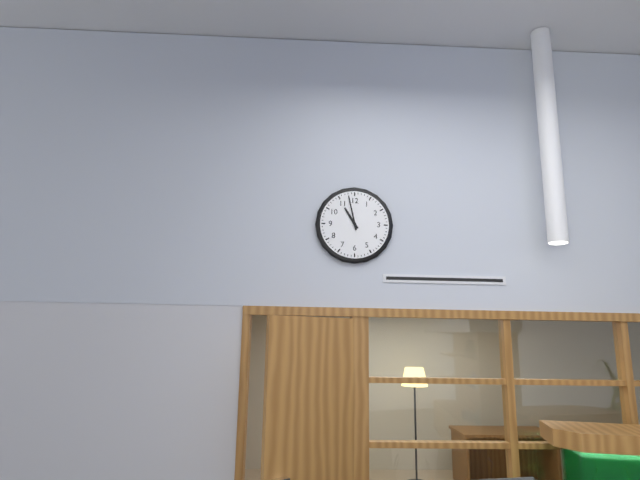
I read {"hour": 10, "minute": 58}
